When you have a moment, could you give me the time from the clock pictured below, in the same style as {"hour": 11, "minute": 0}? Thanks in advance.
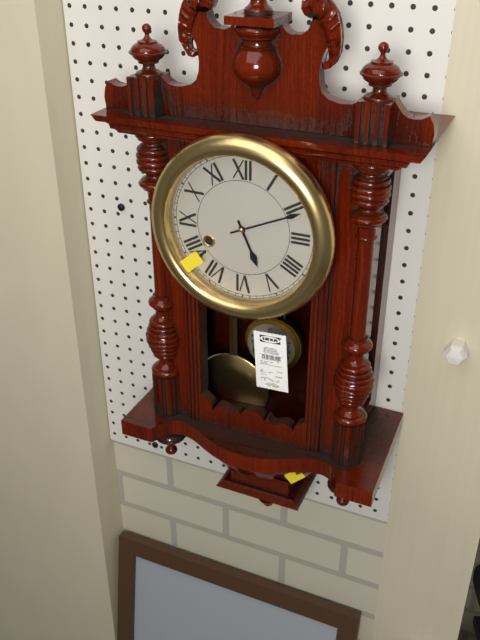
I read {"hour": 5, "minute": 11}
